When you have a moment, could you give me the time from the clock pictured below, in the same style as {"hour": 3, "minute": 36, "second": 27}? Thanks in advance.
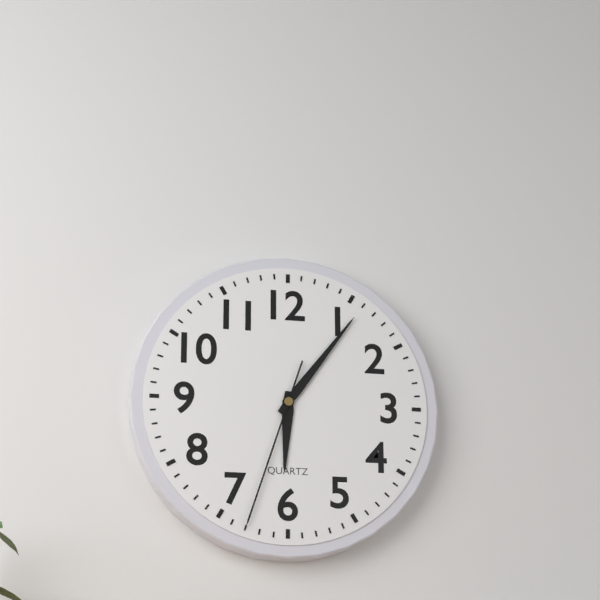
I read {"hour": 6, "minute": 6, "second": 33}
